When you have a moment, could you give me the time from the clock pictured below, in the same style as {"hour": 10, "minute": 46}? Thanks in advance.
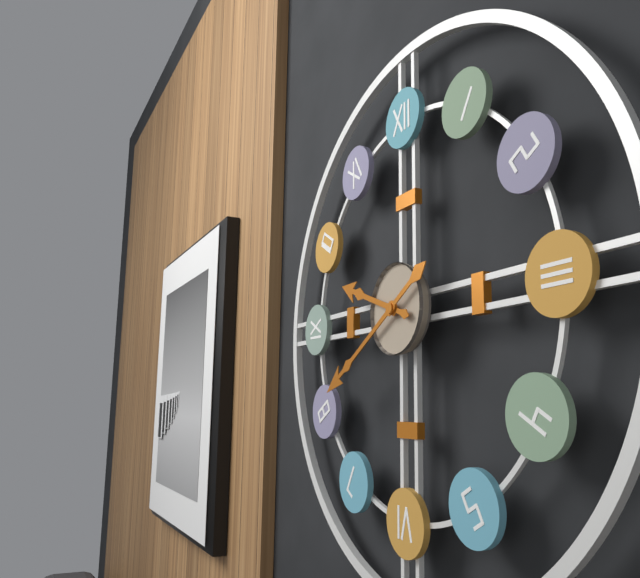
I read {"hour": 9, "minute": 40}
